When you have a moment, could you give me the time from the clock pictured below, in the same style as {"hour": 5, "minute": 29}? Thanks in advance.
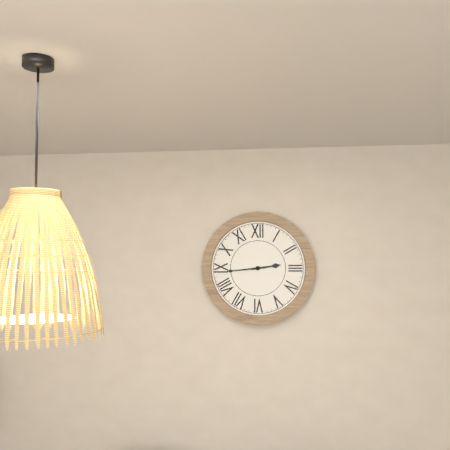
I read {"hour": 2, "minute": 44}
